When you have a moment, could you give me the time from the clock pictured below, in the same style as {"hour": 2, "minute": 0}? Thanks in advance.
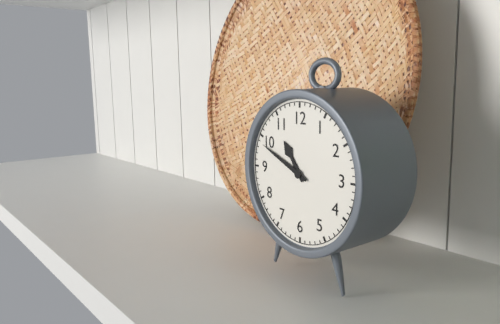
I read {"hour": 10, "minute": 49}
